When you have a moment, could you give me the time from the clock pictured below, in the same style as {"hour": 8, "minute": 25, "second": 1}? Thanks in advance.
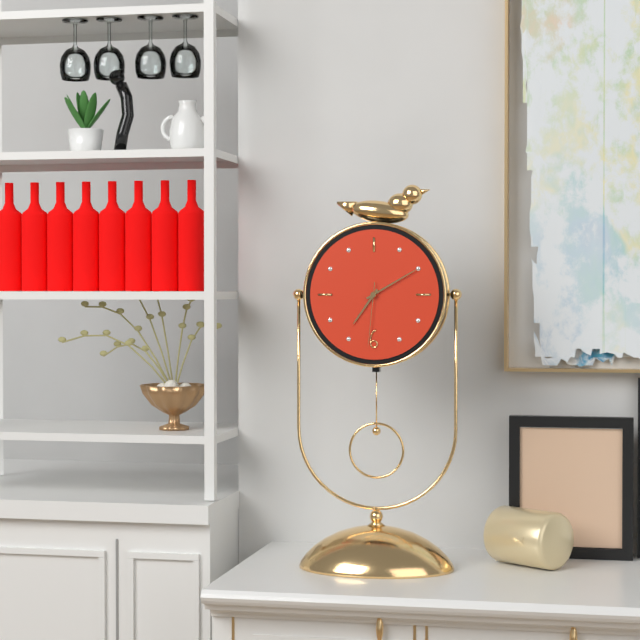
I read {"hour": 7, "minute": 10, "second": 31}
